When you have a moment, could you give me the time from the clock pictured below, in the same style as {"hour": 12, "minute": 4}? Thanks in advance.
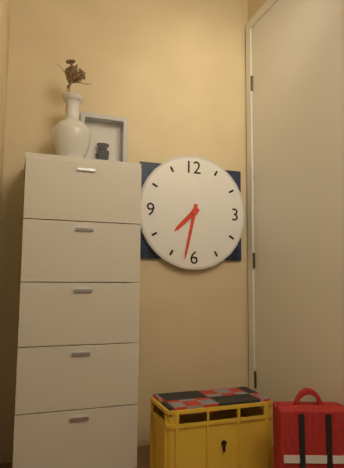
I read {"hour": 7, "minute": 32}
